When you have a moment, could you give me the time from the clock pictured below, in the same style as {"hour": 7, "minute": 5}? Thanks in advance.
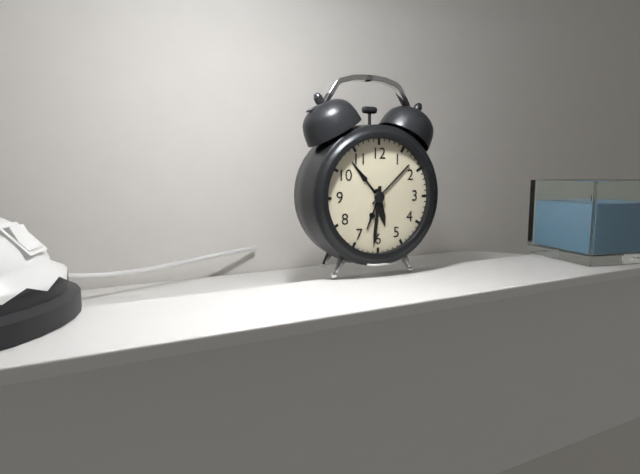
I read {"hour": 5, "minute": 31}
